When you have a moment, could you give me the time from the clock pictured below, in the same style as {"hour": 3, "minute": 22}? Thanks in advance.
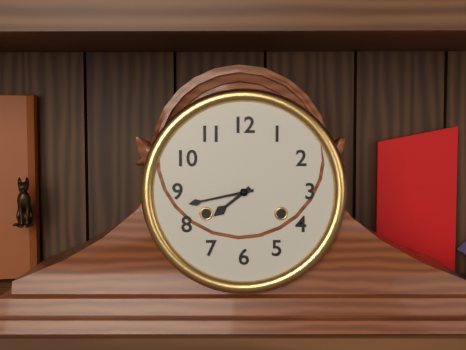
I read {"hour": 7, "minute": 43}
